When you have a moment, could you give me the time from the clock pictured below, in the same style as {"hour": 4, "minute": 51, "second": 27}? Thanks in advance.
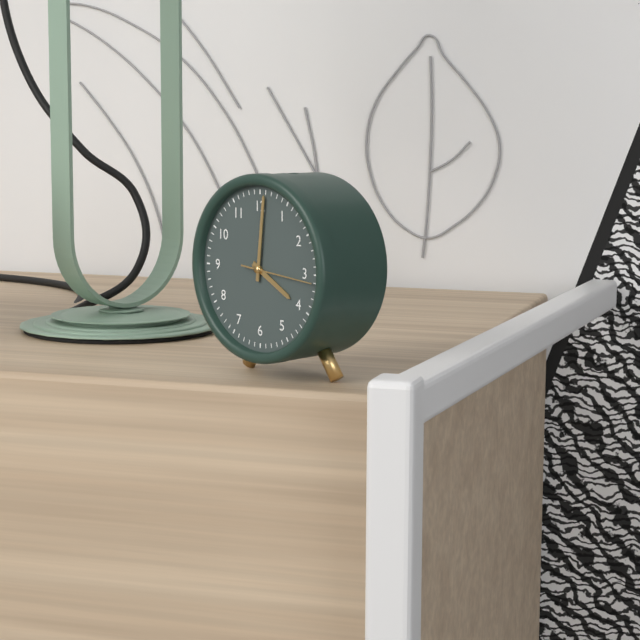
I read {"hour": 4, "minute": 1, "second": 16}
